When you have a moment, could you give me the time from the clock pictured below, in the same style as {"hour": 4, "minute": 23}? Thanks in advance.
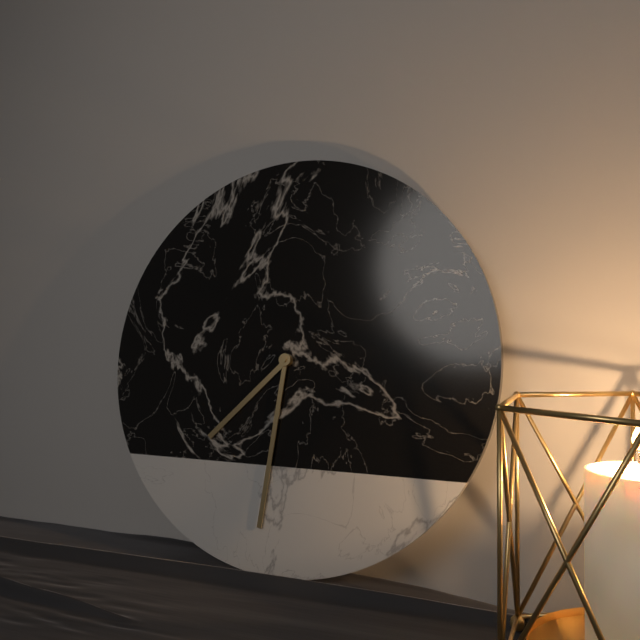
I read {"hour": 7, "minute": 31}
